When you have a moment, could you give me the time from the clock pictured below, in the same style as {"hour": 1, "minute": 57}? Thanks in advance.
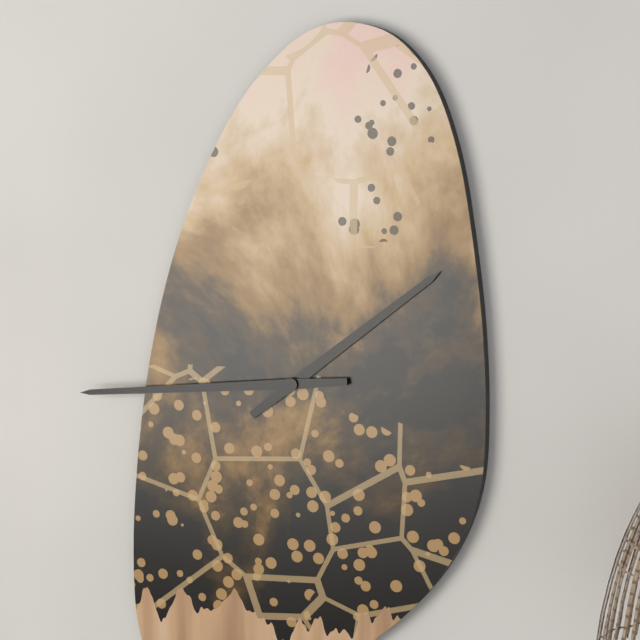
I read {"hour": 1, "minute": 44}
